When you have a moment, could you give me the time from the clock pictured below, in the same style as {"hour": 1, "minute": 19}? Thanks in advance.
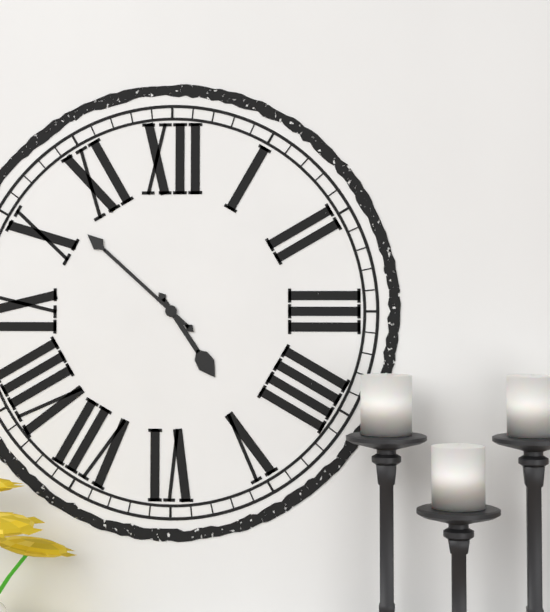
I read {"hour": 4, "minute": 52}
